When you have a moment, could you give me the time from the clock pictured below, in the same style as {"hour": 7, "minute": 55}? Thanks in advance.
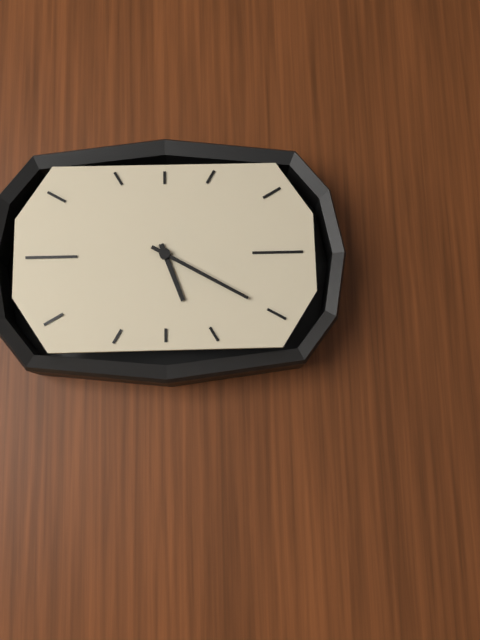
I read {"hour": 5, "minute": 20}
